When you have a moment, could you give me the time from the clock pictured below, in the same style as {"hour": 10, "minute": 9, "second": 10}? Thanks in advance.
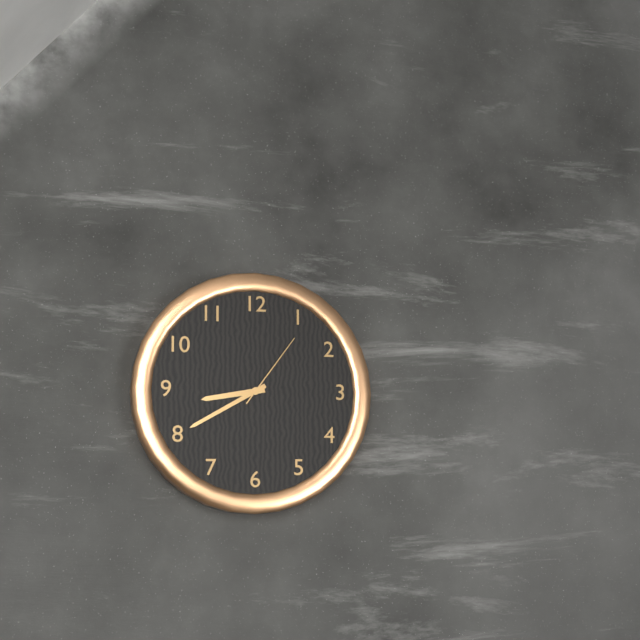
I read {"hour": 8, "minute": 40, "second": 6}
